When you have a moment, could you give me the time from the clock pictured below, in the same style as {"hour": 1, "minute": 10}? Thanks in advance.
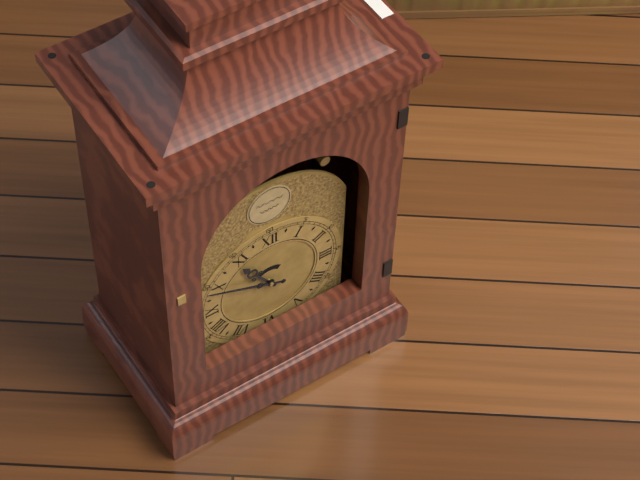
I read {"hour": 10, "minute": 49}
